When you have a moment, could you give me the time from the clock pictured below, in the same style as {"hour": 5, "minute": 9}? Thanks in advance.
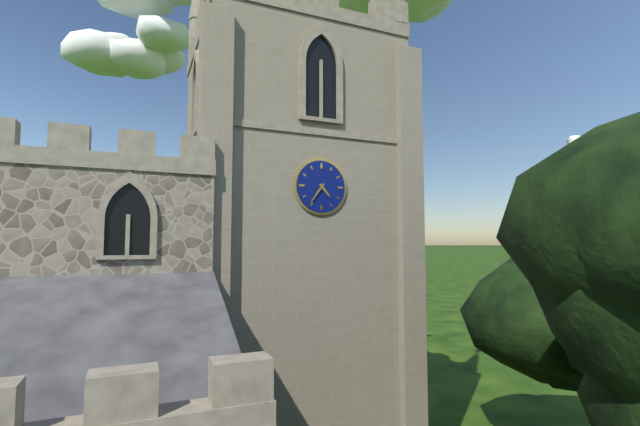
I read {"hour": 4, "minute": 36}
